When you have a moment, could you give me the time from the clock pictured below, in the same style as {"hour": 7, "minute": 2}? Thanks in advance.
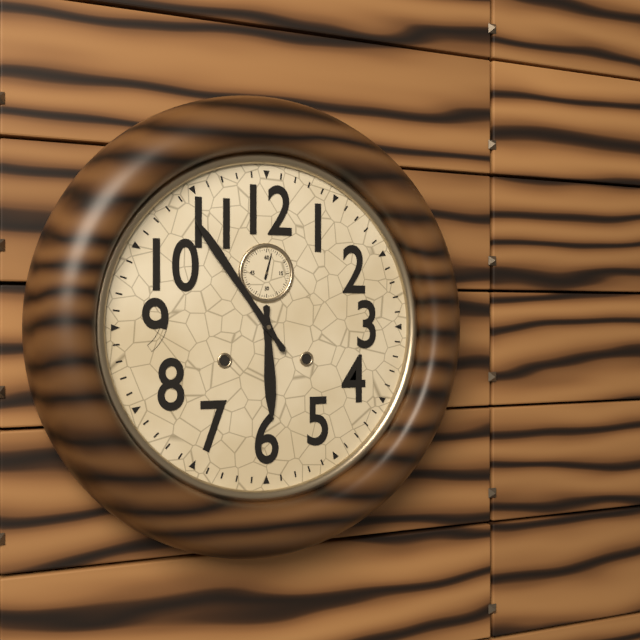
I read {"hour": 5, "minute": 54}
